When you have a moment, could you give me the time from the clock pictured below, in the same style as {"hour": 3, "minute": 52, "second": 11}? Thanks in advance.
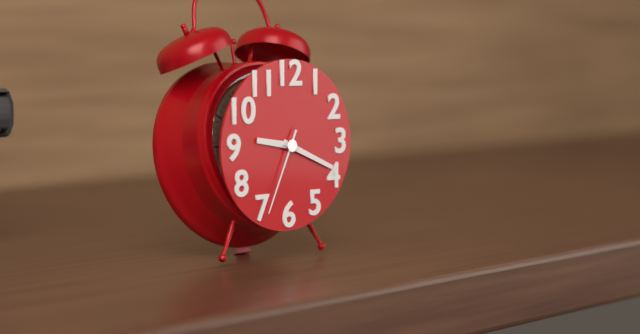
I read {"hour": 9, "minute": 19, "second": 34}
